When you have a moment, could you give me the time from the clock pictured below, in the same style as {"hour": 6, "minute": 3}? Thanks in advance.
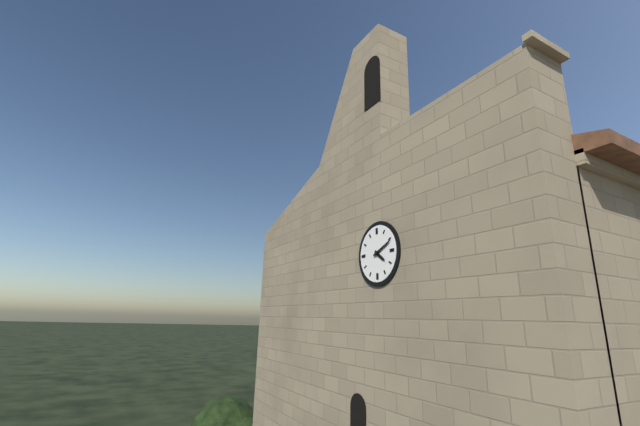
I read {"hour": 4, "minute": 11}
